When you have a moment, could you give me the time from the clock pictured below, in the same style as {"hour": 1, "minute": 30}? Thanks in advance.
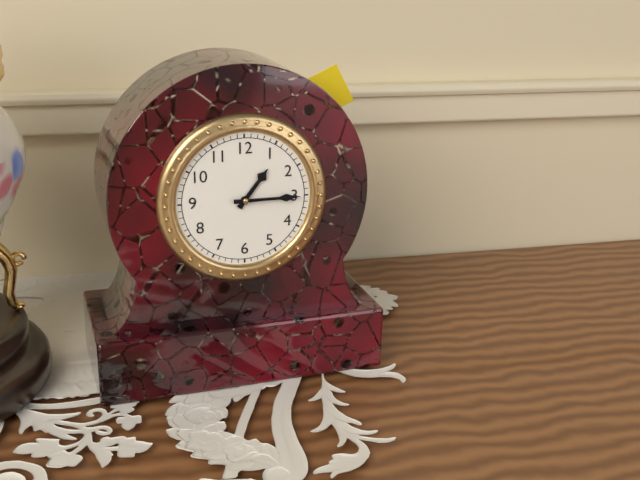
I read {"hour": 1, "minute": 15}
